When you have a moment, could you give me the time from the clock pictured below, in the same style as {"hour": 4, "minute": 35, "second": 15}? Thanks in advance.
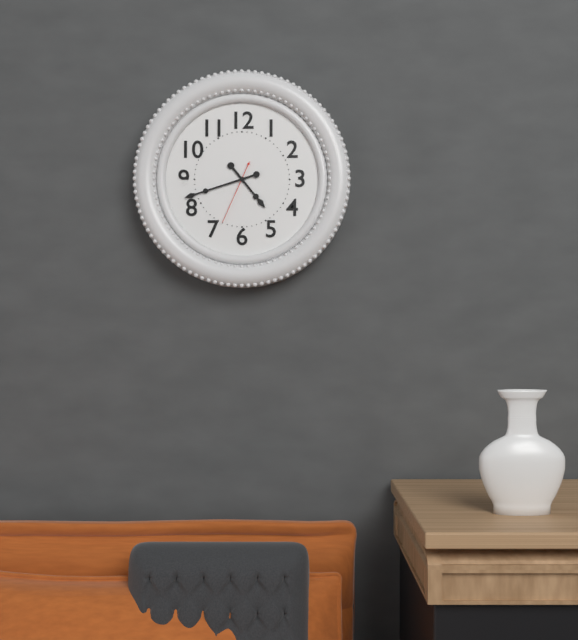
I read {"hour": 4, "minute": 42, "second": 34}
